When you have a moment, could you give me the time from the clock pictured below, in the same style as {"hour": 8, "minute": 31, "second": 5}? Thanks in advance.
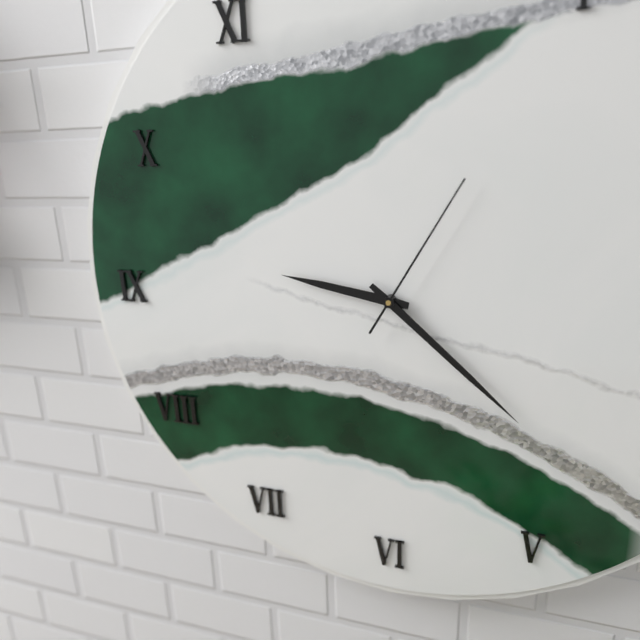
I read {"hour": 9, "minute": 22, "second": 5}
